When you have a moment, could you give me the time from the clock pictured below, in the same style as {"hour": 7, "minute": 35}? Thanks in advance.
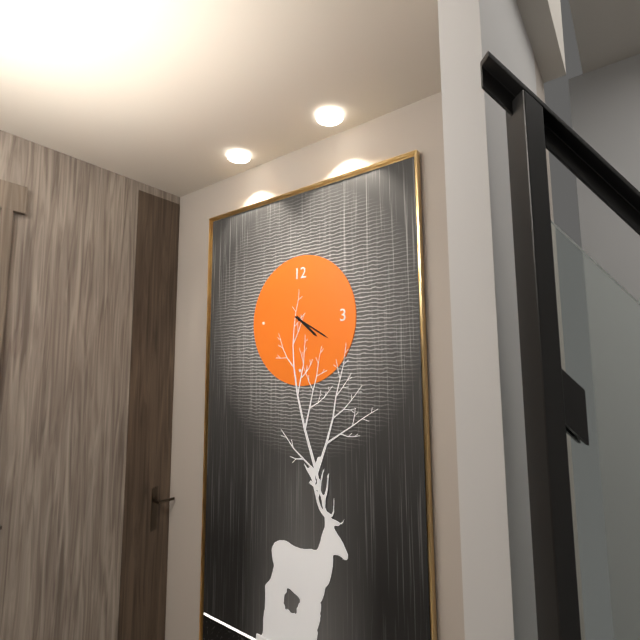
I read {"hour": 4, "minute": 20}
